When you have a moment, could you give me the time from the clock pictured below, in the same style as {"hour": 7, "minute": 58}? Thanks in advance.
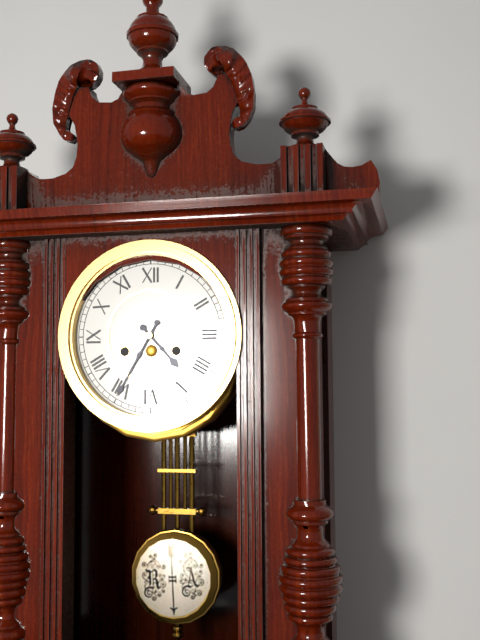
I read {"hour": 4, "minute": 35}
